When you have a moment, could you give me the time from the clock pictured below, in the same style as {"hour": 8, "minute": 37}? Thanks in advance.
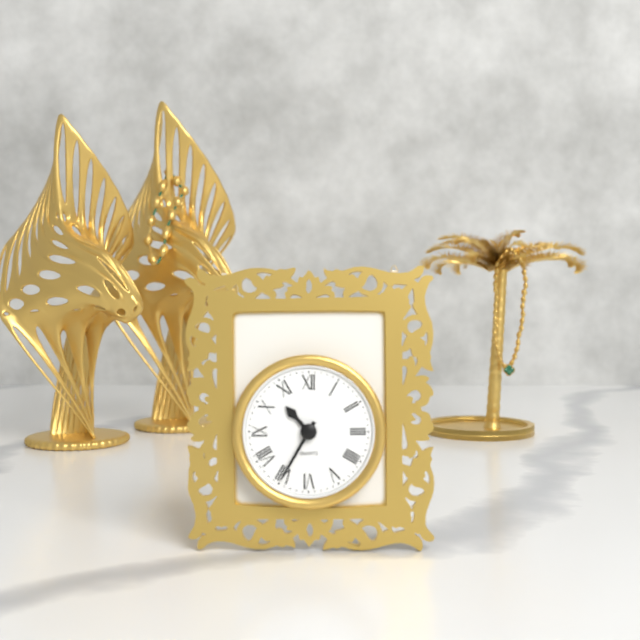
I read {"hour": 10, "minute": 35}
